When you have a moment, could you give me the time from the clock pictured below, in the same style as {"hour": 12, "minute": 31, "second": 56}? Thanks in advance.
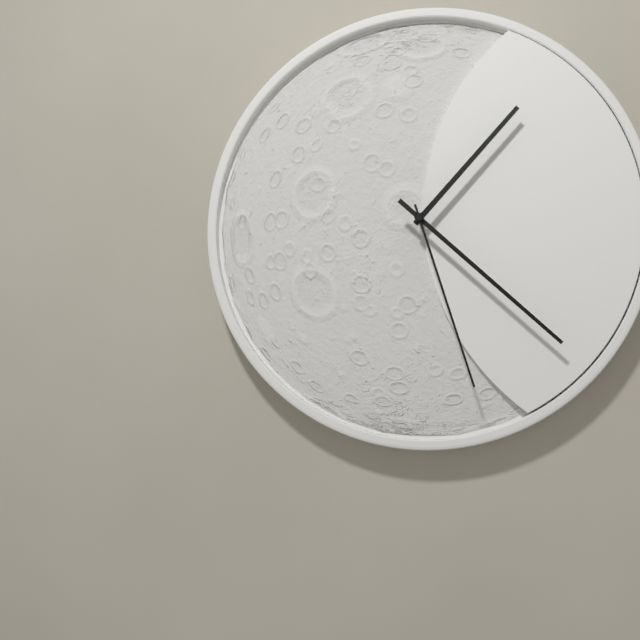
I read {"hour": 1, "minute": 22, "second": 27}
